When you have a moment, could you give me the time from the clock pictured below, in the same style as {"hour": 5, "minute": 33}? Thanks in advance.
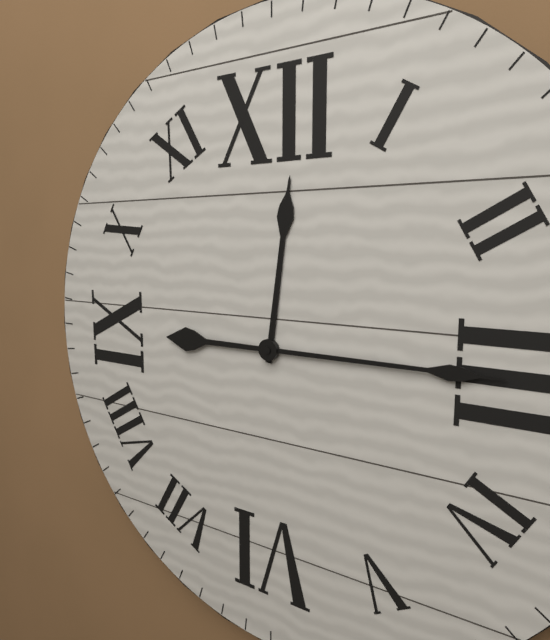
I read {"hour": 12, "minute": 15}
